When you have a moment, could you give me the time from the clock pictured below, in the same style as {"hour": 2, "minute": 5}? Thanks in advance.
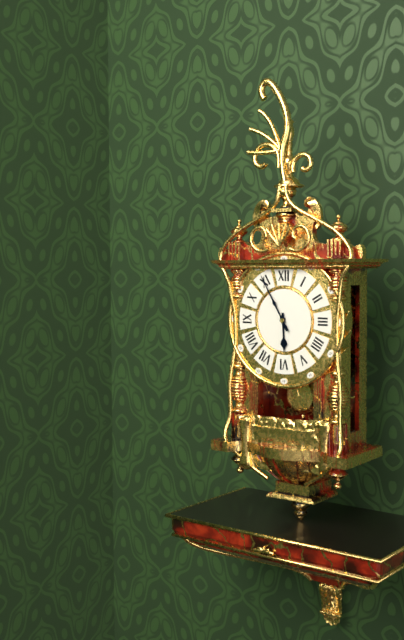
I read {"hour": 5, "minute": 55}
